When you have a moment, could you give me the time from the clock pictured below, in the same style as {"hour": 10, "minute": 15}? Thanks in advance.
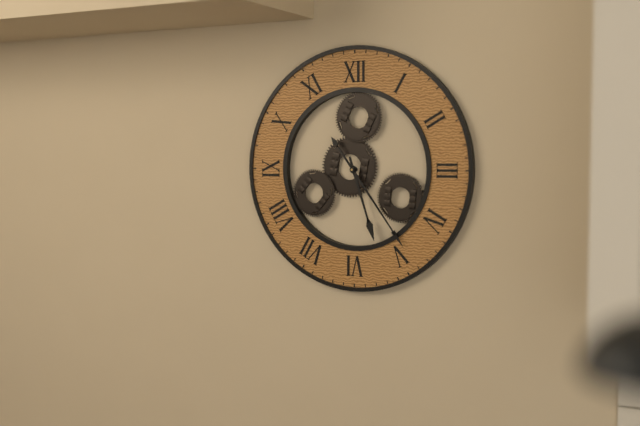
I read {"hour": 5, "minute": 24}
